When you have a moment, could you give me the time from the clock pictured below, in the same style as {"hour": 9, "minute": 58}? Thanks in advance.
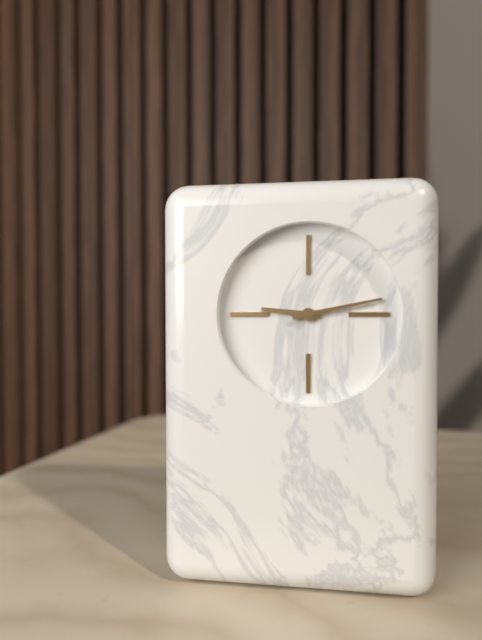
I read {"hour": 9, "minute": 13}
